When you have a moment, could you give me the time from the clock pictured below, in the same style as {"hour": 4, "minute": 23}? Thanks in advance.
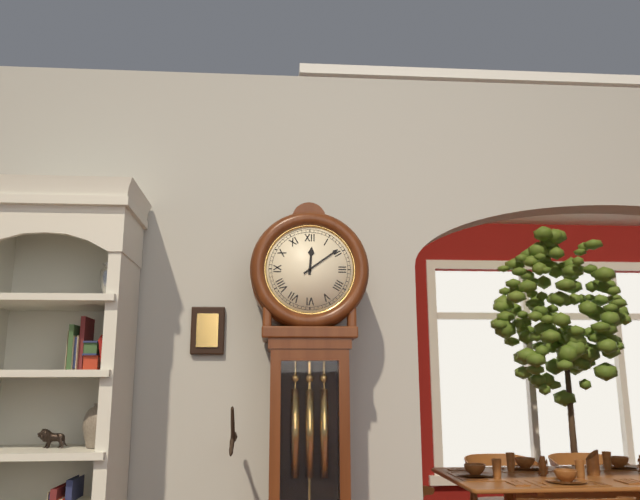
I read {"hour": 12, "minute": 9}
